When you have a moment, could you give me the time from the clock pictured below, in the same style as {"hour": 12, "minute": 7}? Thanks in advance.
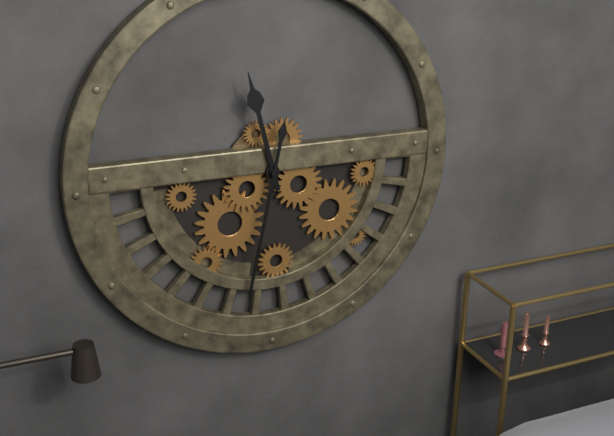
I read {"hour": 11, "minute": 32}
